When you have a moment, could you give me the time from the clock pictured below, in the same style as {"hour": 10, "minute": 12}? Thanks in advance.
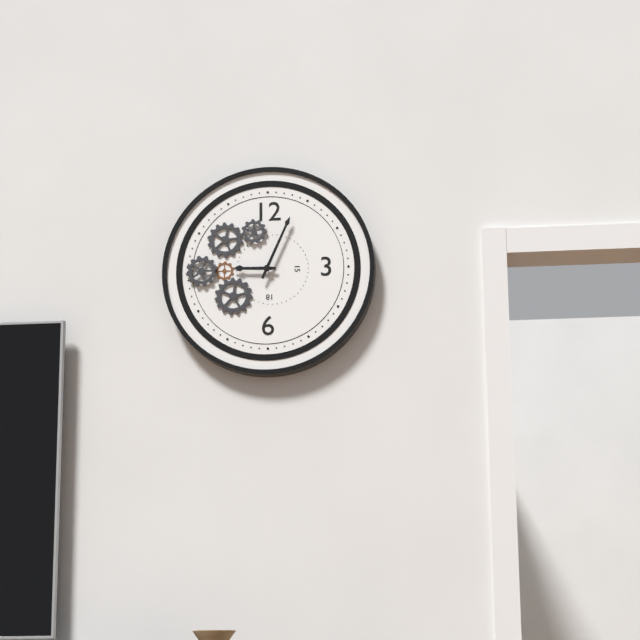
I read {"hour": 9, "minute": 4}
